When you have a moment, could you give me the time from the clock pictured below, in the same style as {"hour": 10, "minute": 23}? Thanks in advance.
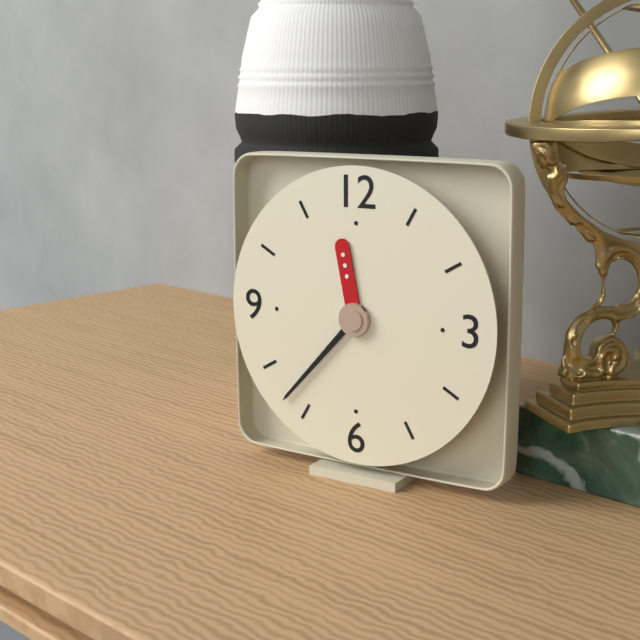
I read {"hour": 11, "minute": 37}
